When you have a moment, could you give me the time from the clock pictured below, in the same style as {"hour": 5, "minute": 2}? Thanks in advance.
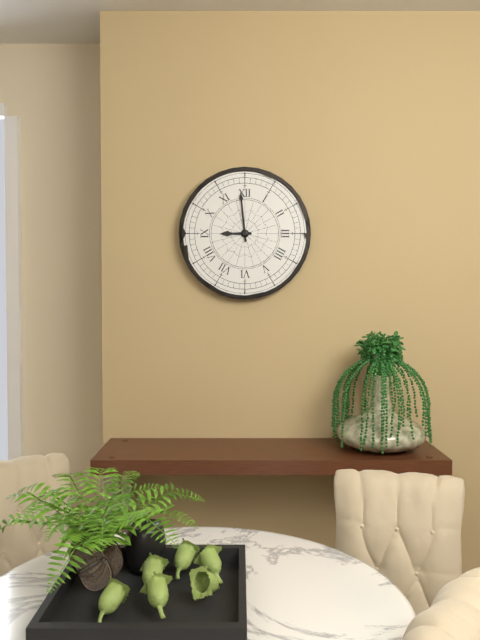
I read {"hour": 8, "minute": 59}
